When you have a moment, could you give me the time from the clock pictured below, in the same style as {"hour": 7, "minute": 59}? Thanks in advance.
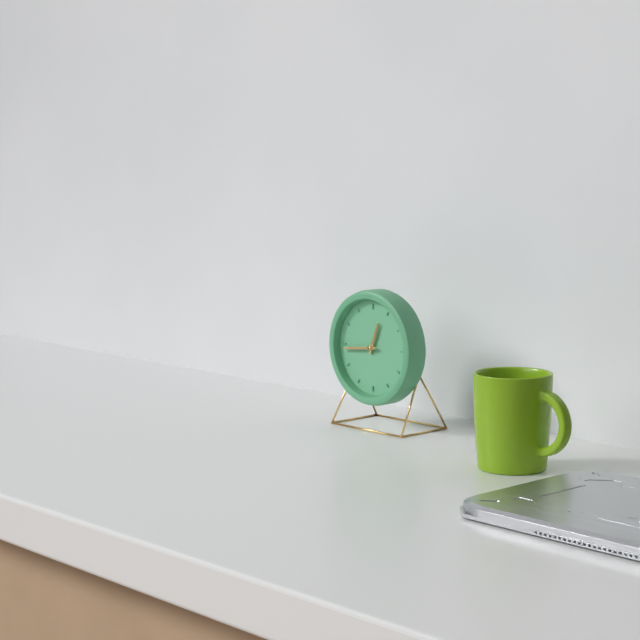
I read {"hour": 12, "minute": 44}
